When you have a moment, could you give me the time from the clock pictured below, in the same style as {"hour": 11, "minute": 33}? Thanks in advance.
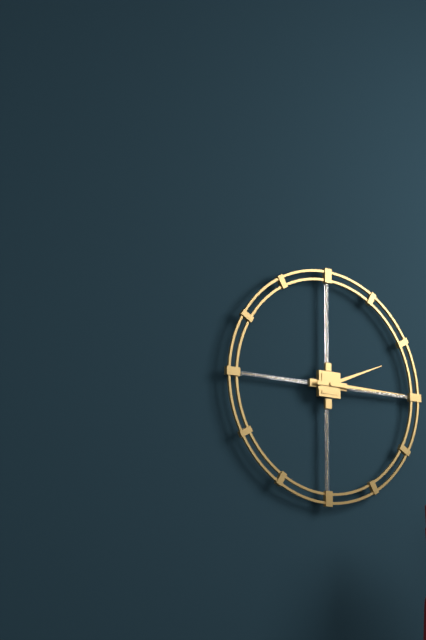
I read {"hour": 2, "minute": 15}
